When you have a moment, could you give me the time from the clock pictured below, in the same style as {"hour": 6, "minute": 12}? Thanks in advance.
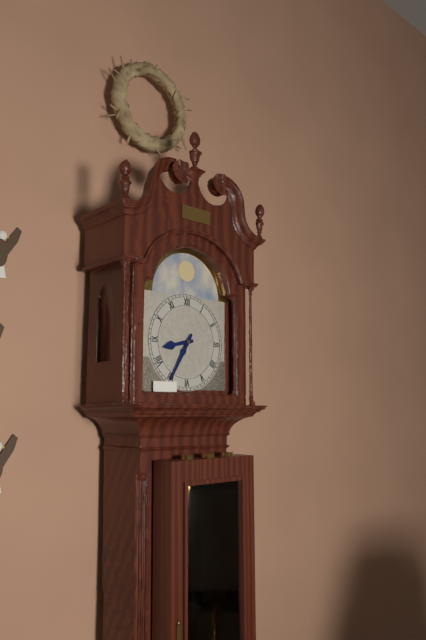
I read {"hour": 8, "minute": 35}
